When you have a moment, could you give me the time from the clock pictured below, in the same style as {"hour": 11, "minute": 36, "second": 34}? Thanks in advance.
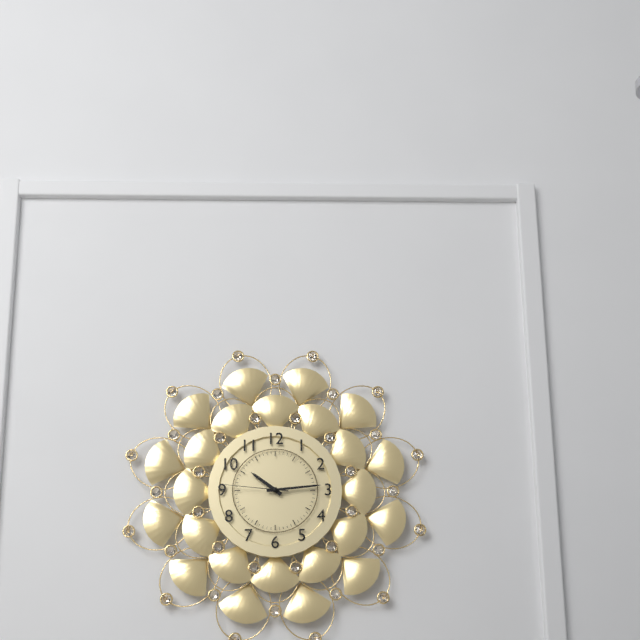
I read {"hour": 10, "minute": 14, "second": 46}
